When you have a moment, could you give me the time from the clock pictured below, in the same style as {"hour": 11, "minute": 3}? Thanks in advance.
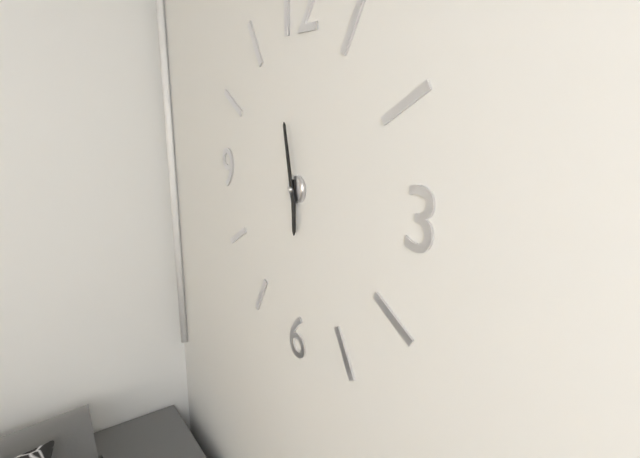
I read {"hour": 5, "minute": 58}
